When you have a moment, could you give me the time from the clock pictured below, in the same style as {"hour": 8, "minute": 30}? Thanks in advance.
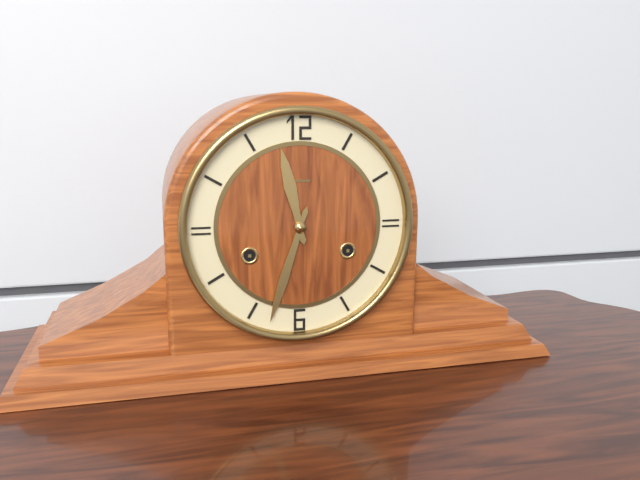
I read {"hour": 11, "minute": 33}
